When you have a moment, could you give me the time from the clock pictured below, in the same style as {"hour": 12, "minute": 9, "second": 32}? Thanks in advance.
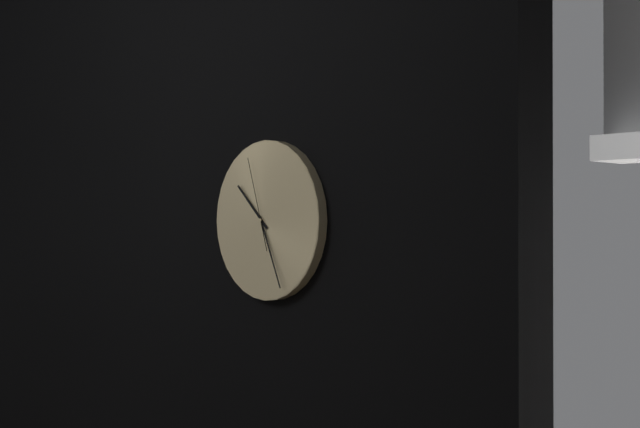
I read {"hour": 10, "minute": 26, "second": 57}
